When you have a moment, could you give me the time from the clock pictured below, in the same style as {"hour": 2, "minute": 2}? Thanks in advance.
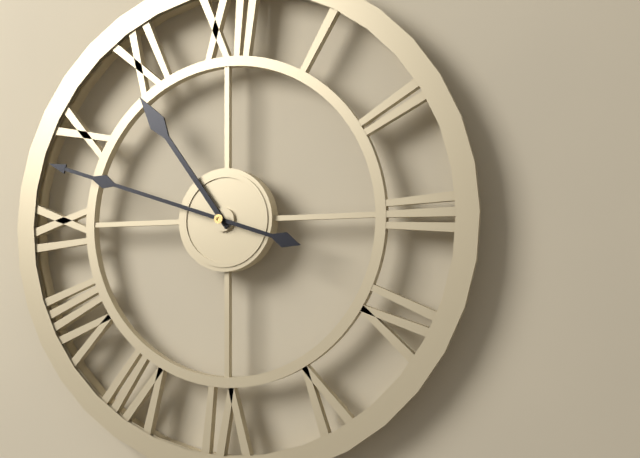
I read {"hour": 10, "minute": 48}
